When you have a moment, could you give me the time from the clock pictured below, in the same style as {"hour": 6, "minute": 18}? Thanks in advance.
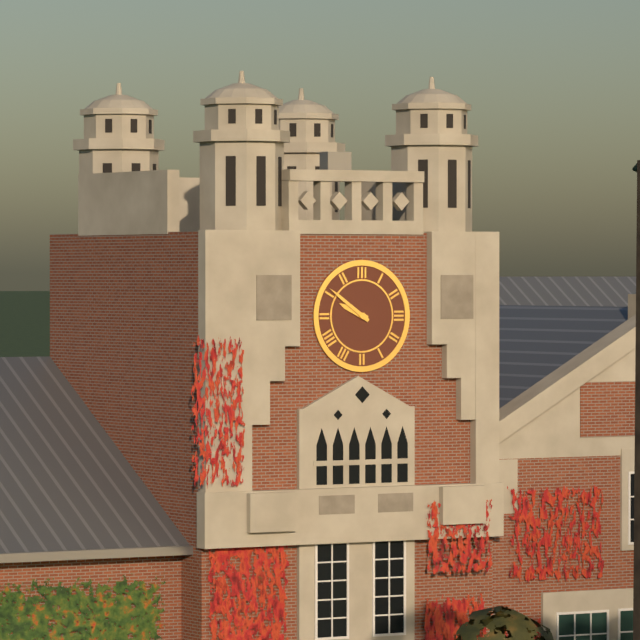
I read {"hour": 9, "minute": 51}
